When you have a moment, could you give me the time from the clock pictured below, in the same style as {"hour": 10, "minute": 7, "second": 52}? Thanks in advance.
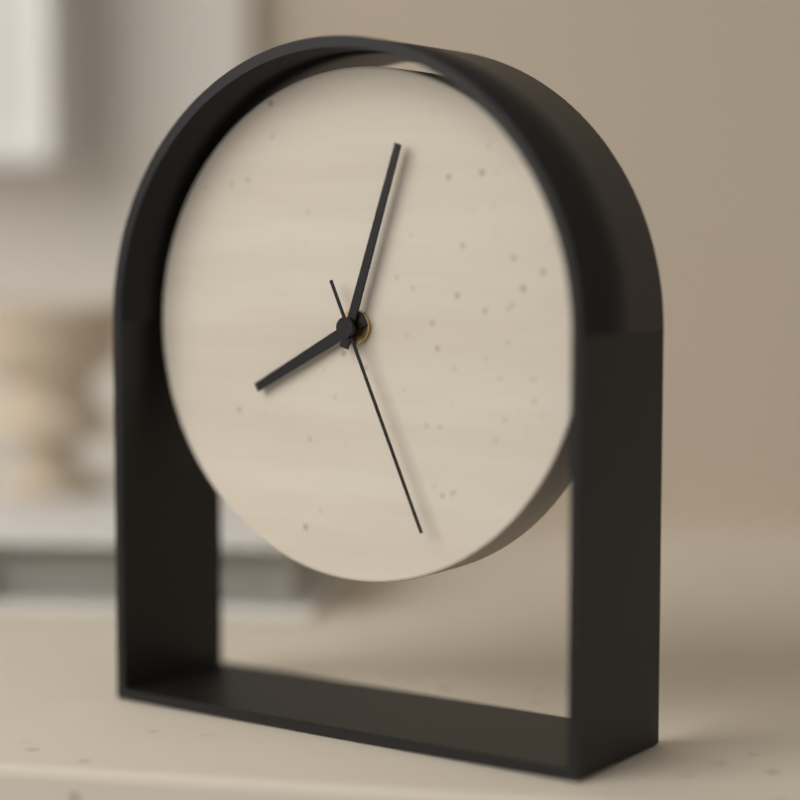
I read {"hour": 8, "minute": 3, "second": 26}
